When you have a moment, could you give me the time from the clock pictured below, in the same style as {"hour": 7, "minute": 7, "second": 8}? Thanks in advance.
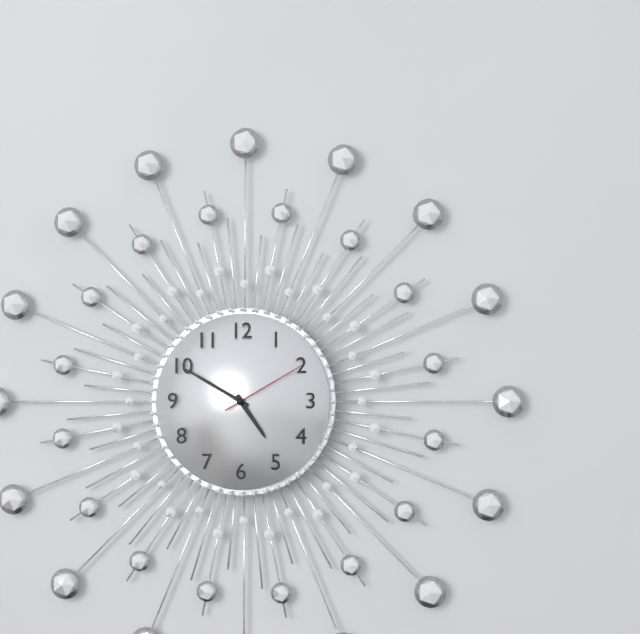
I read {"hour": 4, "minute": 50, "second": 10}
